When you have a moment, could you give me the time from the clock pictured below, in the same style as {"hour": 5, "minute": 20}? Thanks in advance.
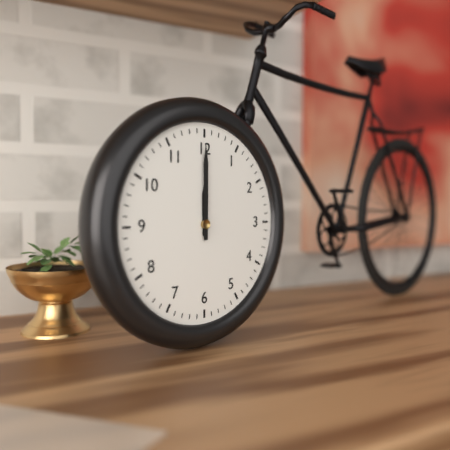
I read {"hour": 12, "minute": 0}
